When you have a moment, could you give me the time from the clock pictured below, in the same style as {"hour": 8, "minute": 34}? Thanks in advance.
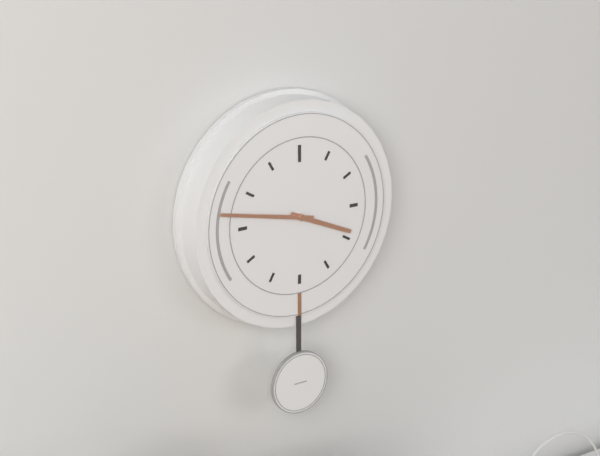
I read {"hour": 3, "minute": 47}
